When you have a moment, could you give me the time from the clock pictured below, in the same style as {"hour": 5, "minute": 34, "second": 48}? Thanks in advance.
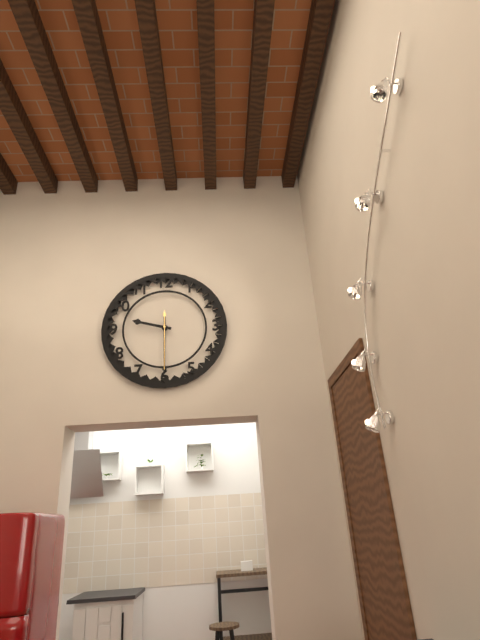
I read {"hour": 9, "minute": 30, "second": 30}
